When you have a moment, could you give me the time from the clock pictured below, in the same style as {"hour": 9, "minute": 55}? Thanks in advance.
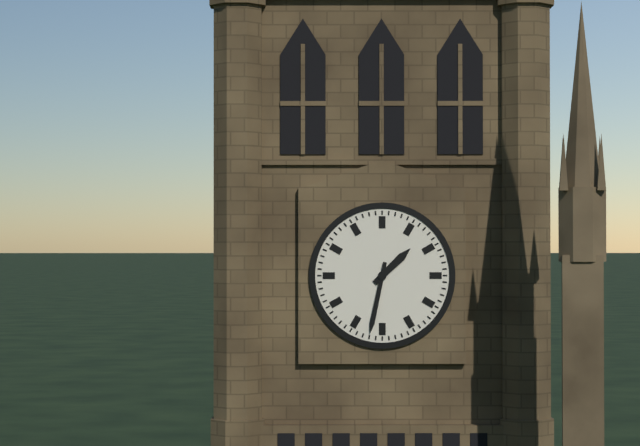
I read {"hour": 1, "minute": 32}
